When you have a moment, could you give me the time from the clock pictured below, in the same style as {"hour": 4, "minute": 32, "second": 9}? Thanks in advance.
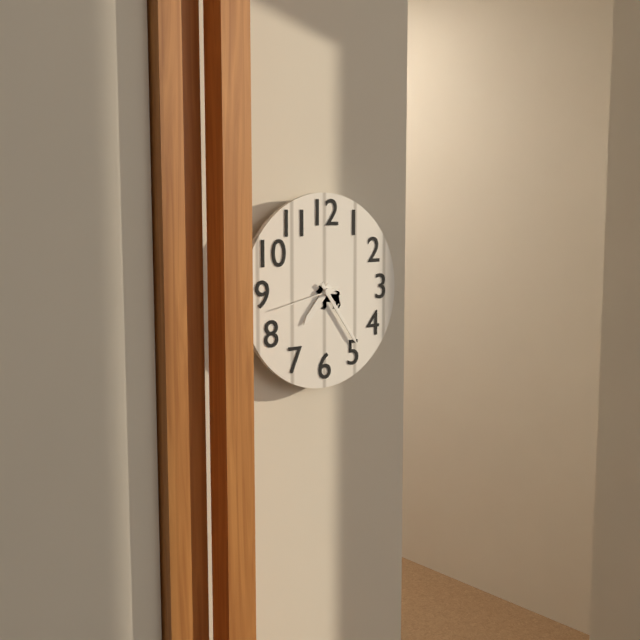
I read {"hour": 7, "minute": 24, "second": 43}
